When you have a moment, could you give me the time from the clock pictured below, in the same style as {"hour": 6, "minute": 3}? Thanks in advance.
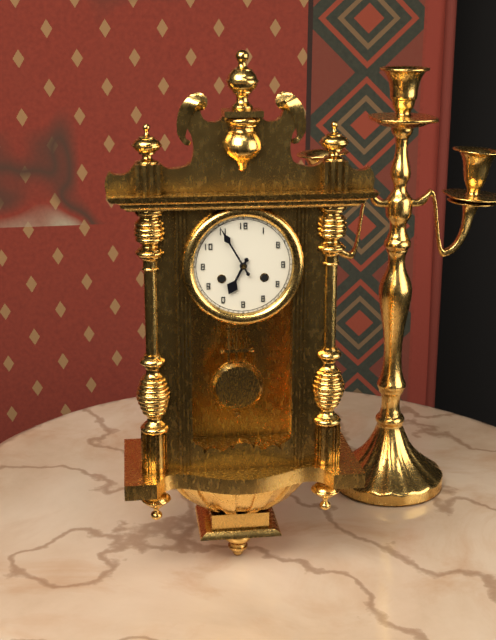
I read {"hour": 6, "minute": 55}
